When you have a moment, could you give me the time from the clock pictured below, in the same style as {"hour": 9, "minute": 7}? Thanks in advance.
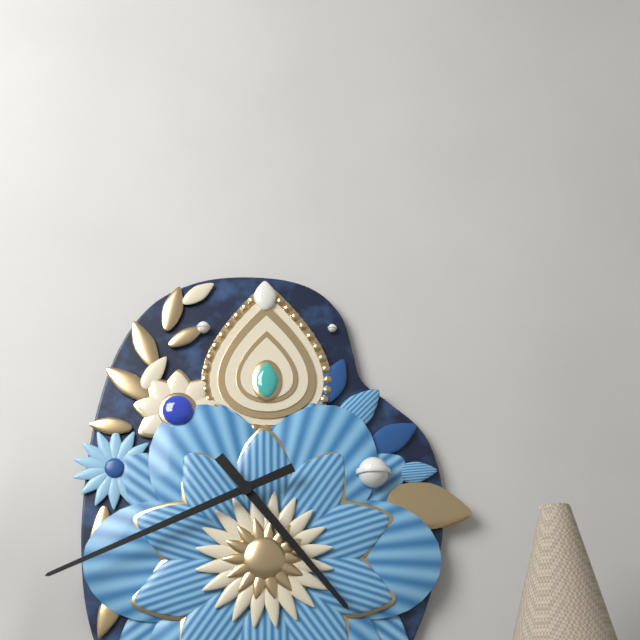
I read {"hour": 4, "minute": 41}
